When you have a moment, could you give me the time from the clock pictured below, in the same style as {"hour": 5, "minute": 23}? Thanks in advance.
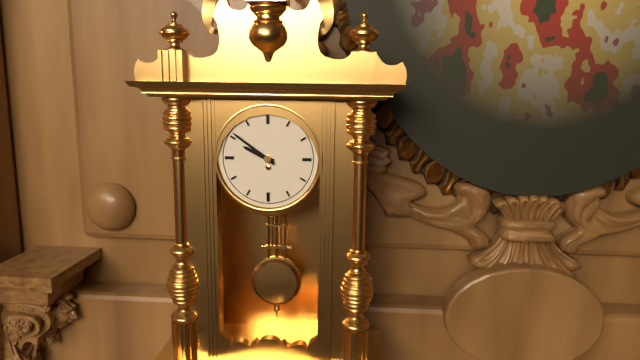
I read {"hour": 9, "minute": 51}
